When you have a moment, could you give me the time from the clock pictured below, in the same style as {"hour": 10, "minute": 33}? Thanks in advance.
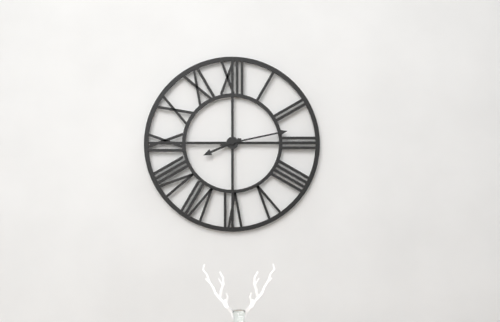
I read {"hour": 8, "minute": 13}
